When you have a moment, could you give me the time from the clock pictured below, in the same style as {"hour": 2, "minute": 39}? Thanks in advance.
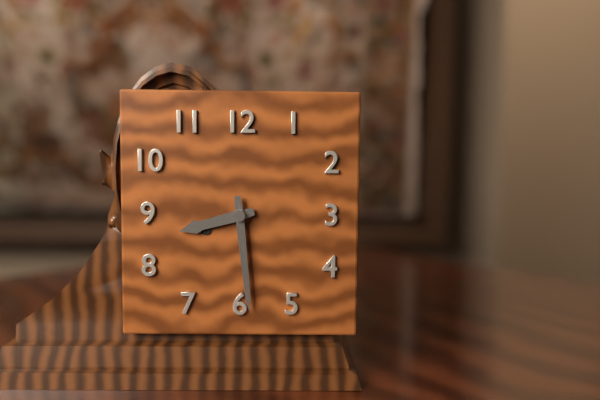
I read {"hour": 8, "minute": 29}
